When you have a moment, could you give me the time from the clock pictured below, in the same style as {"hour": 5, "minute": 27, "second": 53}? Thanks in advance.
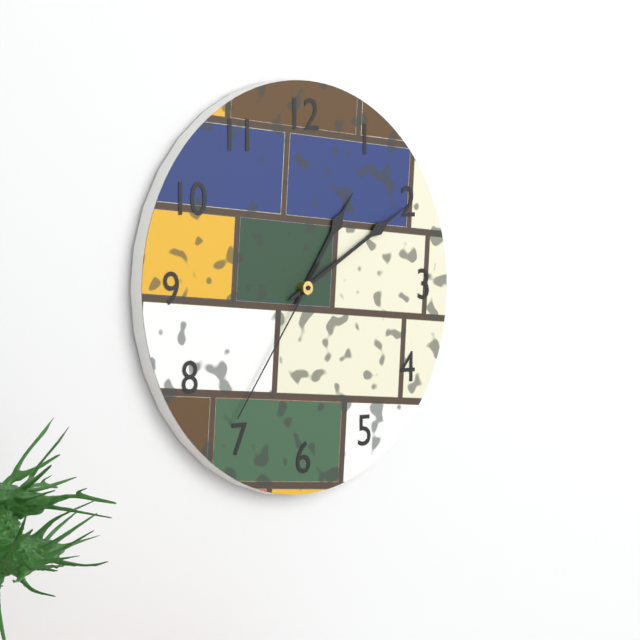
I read {"hour": 1, "minute": 10, "second": 36}
